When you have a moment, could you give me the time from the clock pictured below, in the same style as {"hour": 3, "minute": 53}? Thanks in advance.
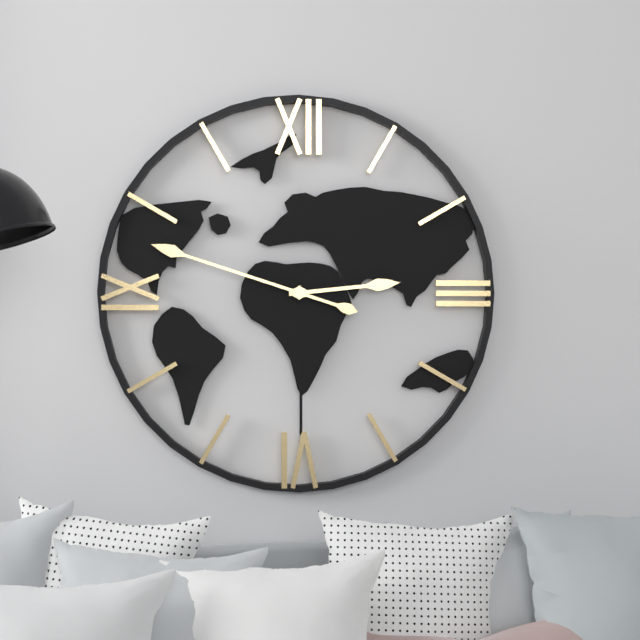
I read {"hour": 2, "minute": 48}
